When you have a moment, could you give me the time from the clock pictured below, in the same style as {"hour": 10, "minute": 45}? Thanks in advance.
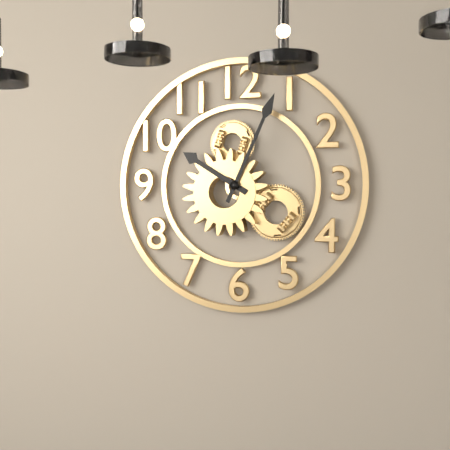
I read {"hour": 10, "minute": 4}
